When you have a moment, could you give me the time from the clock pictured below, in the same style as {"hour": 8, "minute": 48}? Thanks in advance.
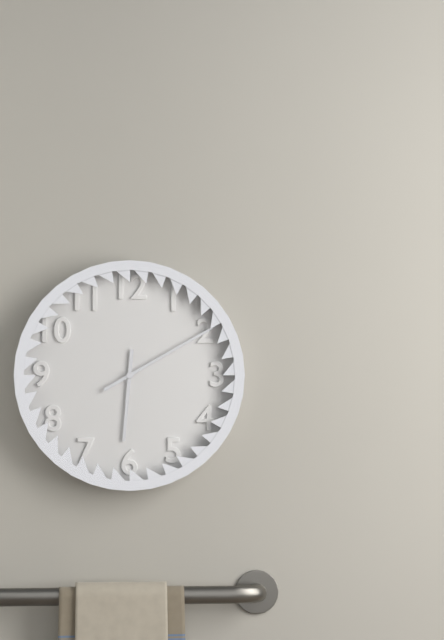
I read {"hour": 6, "minute": 10}
